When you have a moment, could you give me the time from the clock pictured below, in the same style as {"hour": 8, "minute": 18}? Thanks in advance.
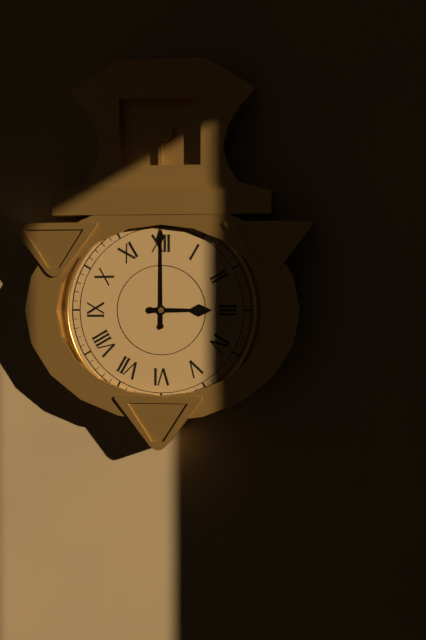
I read {"hour": 3, "minute": 0}
